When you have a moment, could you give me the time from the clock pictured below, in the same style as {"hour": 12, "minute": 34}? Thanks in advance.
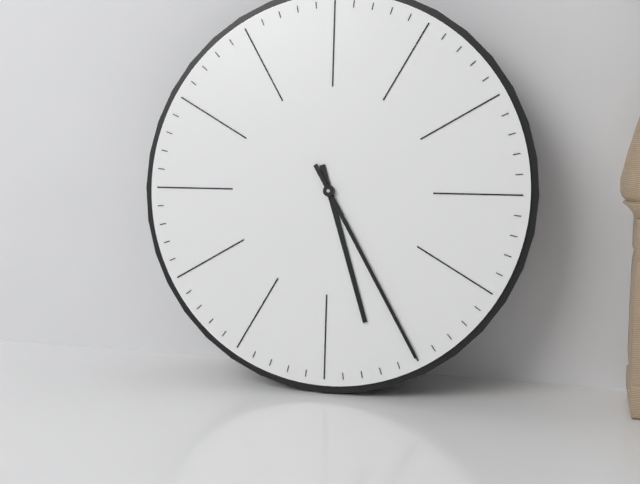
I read {"hour": 5, "minute": 25}
